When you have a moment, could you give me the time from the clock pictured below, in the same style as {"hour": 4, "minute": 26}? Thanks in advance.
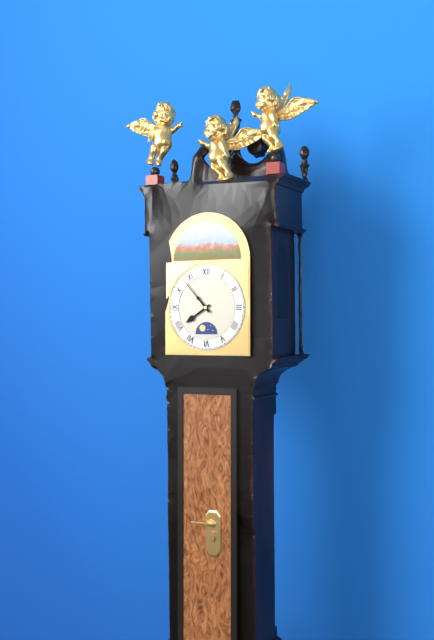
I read {"hour": 7, "minute": 53}
